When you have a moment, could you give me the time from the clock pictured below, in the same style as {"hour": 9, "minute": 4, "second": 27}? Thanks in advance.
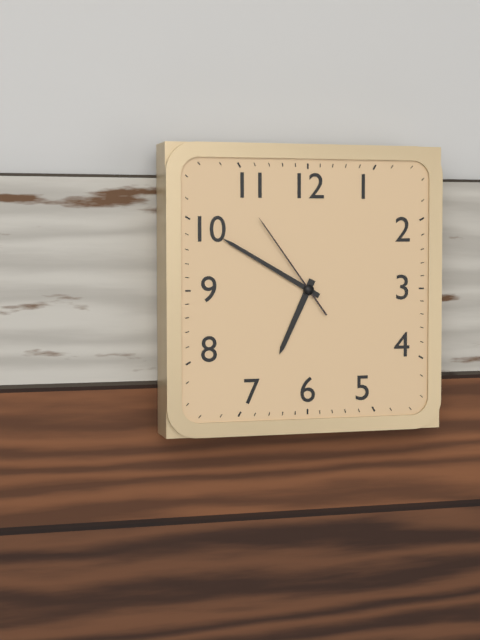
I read {"hour": 6, "minute": 50, "second": 54}
